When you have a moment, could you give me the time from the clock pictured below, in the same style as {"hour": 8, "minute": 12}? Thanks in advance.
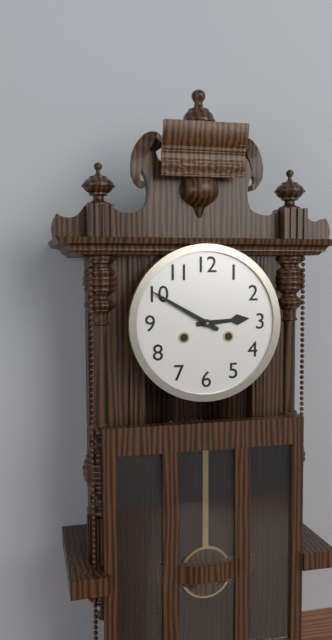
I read {"hour": 2, "minute": 50}
